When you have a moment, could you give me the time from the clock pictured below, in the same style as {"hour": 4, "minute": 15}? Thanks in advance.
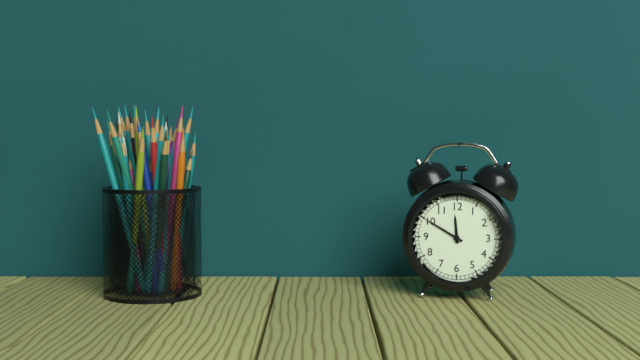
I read {"hour": 11, "minute": 50}
